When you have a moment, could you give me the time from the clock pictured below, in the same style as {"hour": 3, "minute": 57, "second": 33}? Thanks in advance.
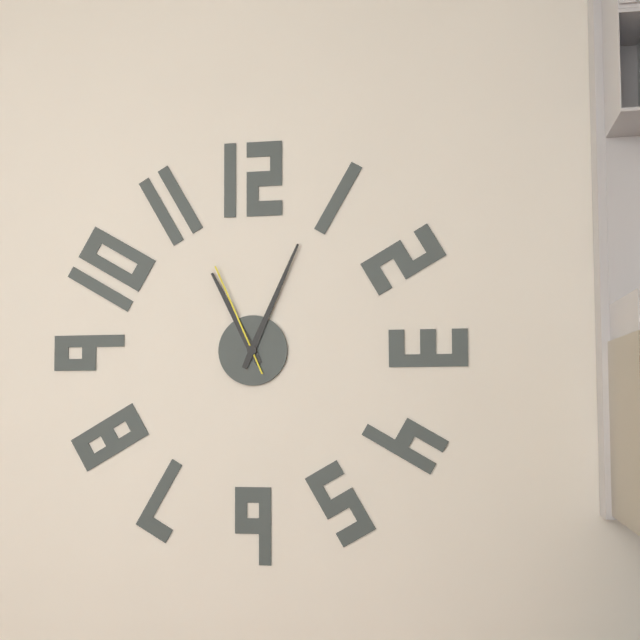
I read {"hour": 11, "minute": 4, "second": 56}
